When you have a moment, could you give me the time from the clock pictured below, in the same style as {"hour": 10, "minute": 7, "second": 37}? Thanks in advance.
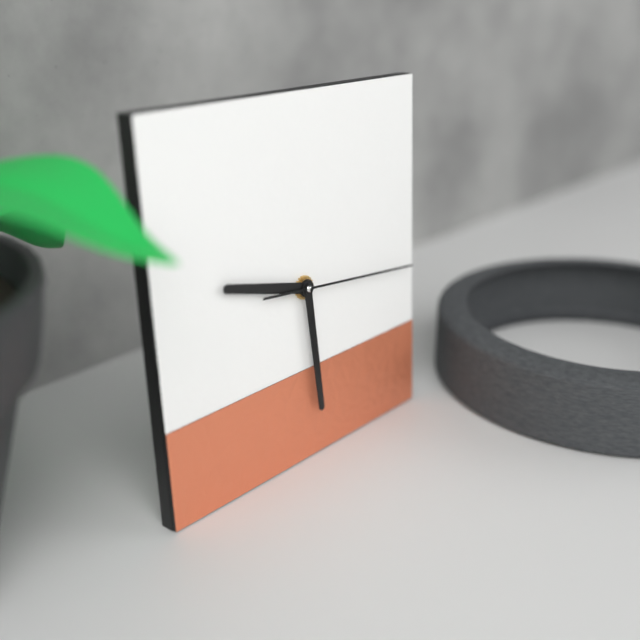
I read {"hour": 9, "minute": 29, "second": 16}
